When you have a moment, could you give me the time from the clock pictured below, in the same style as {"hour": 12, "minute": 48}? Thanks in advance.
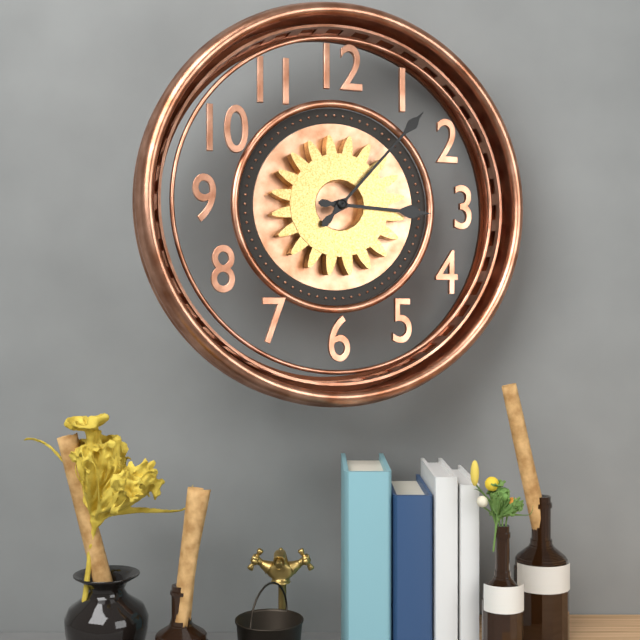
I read {"hour": 3, "minute": 7}
